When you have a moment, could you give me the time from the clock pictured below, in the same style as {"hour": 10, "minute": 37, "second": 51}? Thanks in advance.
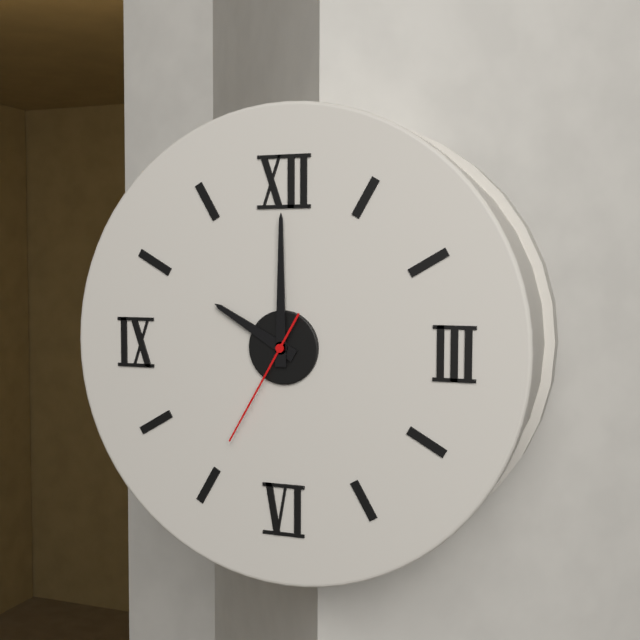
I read {"hour": 10, "minute": 0, "second": 35}
